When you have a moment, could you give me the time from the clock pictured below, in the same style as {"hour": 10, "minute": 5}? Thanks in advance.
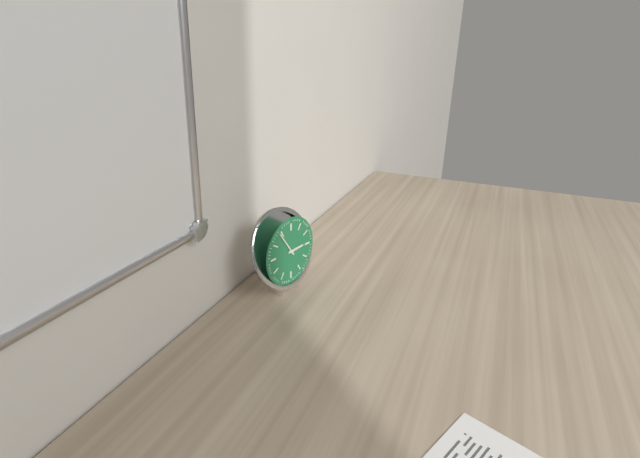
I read {"hour": 2, "minute": 54}
